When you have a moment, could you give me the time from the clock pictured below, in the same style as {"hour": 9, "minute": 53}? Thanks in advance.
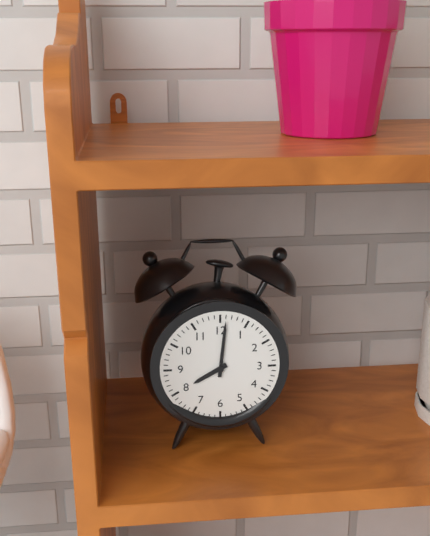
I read {"hour": 8, "minute": 1}
